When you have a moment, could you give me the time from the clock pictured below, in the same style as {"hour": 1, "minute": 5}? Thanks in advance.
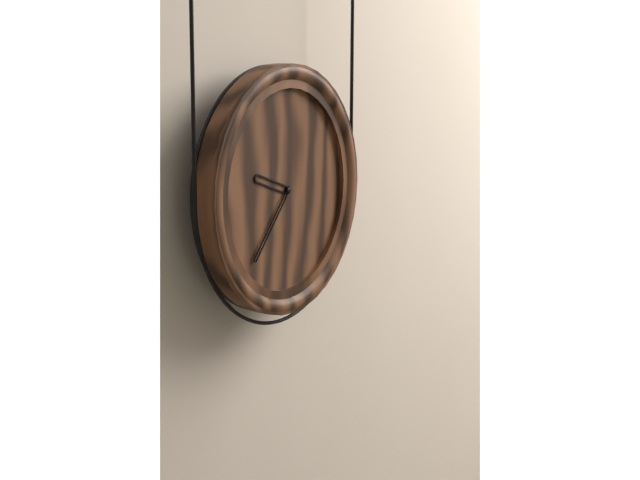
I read {"hour": 9, "minute": 37}
